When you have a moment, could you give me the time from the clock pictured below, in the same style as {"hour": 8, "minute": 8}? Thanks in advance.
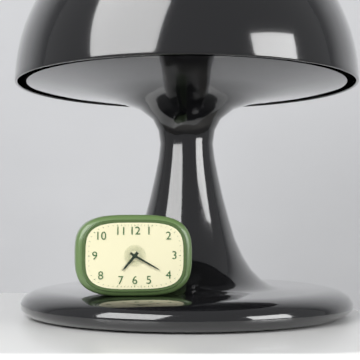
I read {"hour": 7, "minute": 20}
